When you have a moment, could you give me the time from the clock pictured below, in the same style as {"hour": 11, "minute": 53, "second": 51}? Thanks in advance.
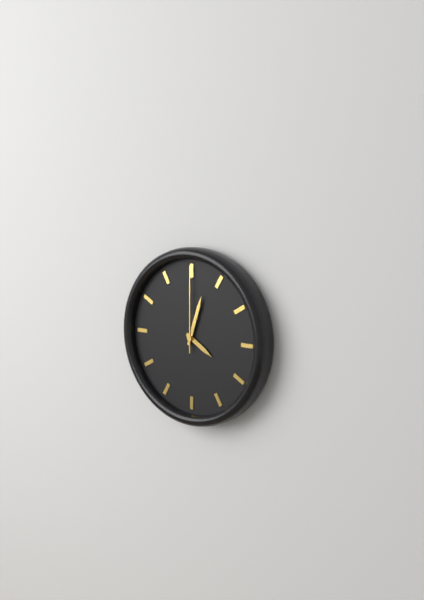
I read {"hour": 4, "minute": 3, "second": 0}
